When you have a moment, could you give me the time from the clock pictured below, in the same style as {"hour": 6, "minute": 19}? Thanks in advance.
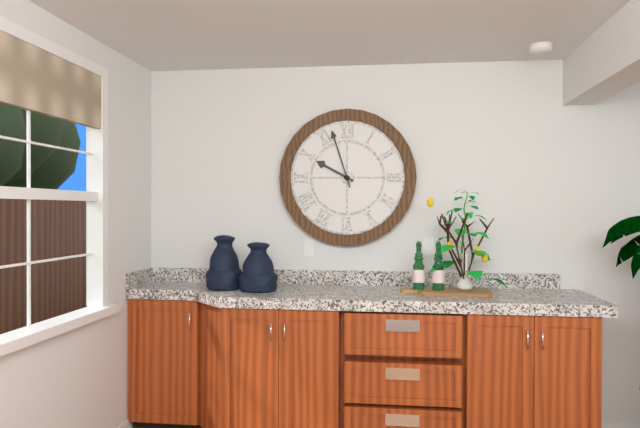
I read {"hour": 9, "minute": 57}
